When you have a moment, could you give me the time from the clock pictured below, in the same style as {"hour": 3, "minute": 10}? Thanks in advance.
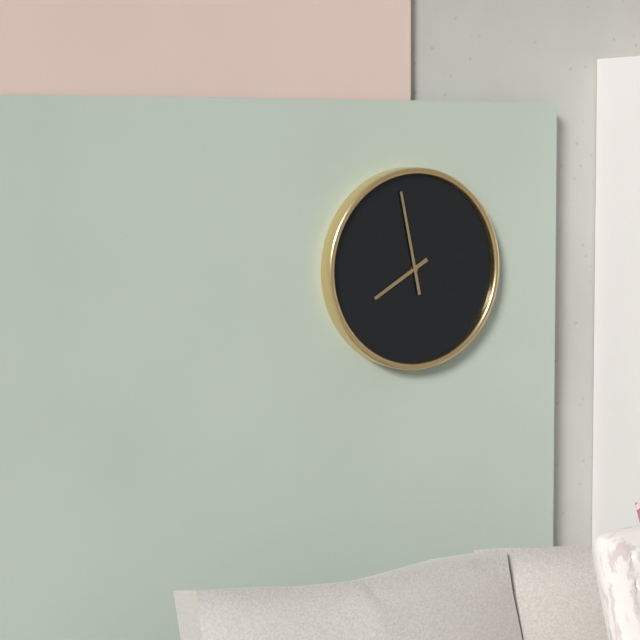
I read {"hour": 7, "minute": 58}
